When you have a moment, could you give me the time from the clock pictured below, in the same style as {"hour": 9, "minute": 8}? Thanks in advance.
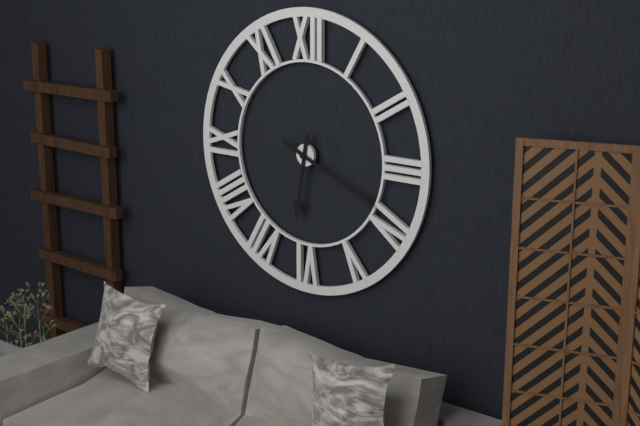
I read {"hour": 6, "minute": 19}
